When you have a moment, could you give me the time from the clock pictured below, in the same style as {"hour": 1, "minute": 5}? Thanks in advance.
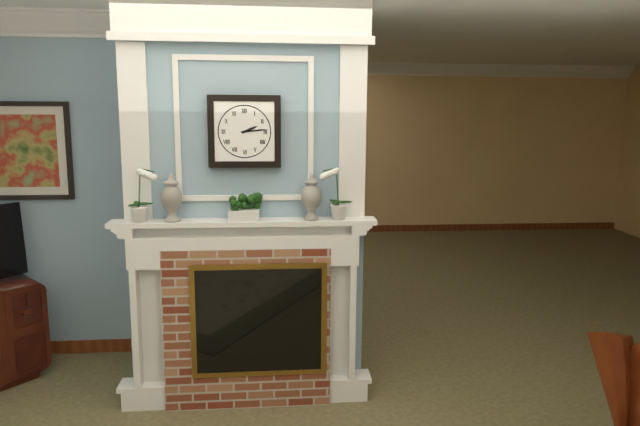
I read {"hour": 2, "minute": 14}
